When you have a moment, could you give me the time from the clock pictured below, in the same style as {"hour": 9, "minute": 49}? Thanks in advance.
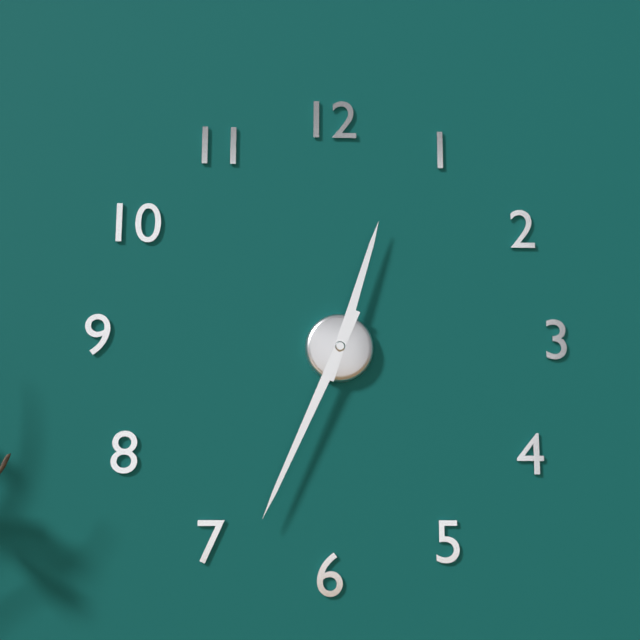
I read {"hour": 12, "minute": 34}
